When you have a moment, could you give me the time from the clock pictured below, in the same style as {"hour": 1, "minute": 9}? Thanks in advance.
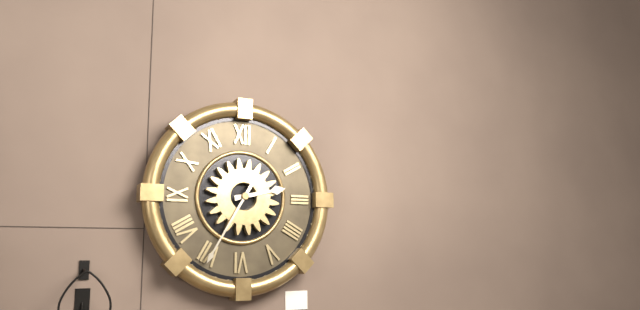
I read {"hour": 2, "minute": 35}
